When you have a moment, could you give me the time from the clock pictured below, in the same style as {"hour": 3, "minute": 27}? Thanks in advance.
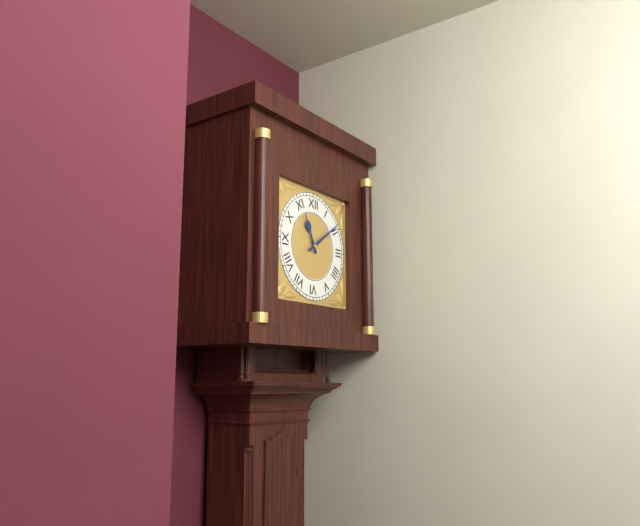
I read {"hour": 11, "minute": 9}
